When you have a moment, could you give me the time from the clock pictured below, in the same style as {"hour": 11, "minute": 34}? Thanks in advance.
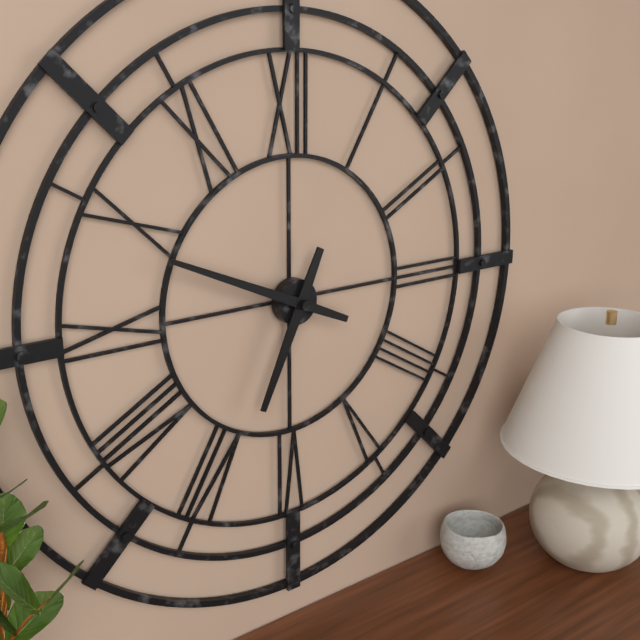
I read {"hour": 6, "minute": 49}
